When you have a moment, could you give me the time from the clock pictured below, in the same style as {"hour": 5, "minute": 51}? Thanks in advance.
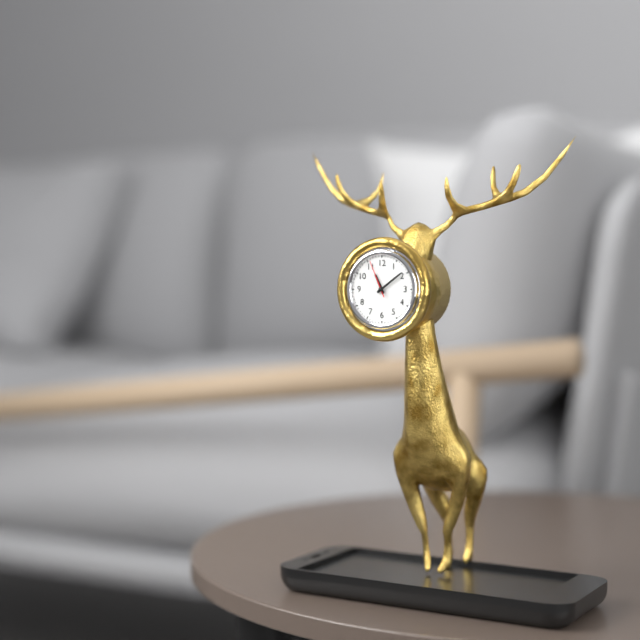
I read {"hour": 11, "minute": 9}
